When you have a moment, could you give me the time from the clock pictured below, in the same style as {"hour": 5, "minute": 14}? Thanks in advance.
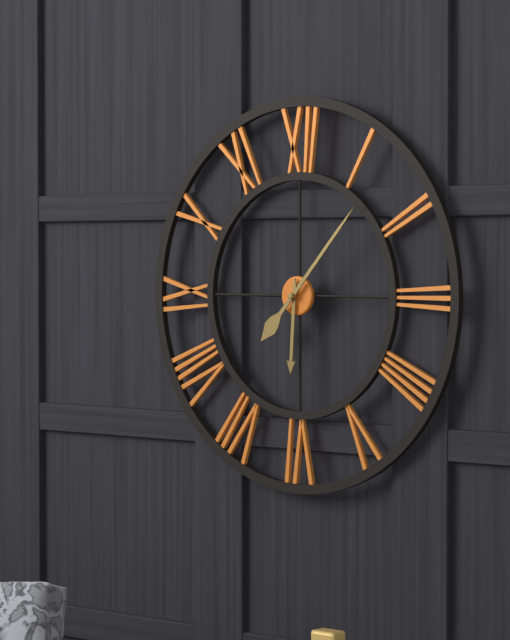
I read {"hour": 6, "minute": 7}
